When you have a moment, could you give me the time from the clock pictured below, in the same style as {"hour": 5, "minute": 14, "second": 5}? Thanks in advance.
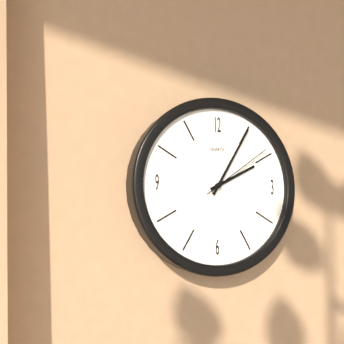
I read {"hour": 2, "minute": 5, "second": 9}
